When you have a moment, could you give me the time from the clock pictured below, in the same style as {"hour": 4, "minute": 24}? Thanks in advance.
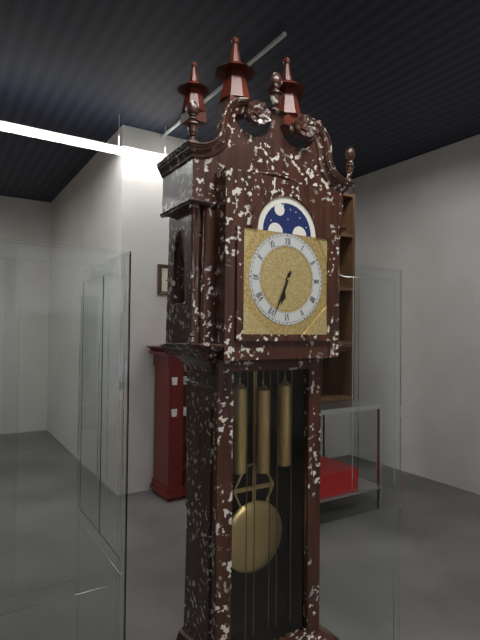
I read {"hour": 6, "minute": 34}
